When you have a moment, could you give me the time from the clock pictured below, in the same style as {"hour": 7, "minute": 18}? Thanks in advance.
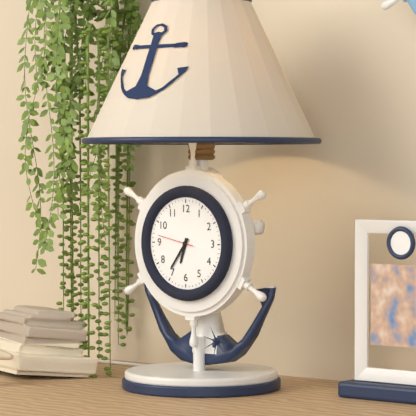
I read {"hour": 6, "minute": 36}
